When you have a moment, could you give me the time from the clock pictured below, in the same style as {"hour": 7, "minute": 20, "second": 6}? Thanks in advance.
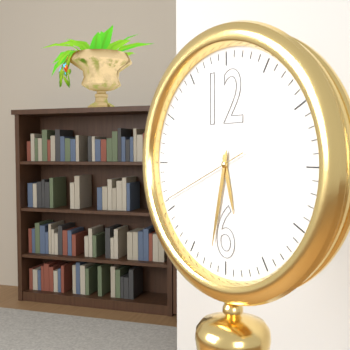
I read {"hour": 5, "minute": 32, "second": 41}
